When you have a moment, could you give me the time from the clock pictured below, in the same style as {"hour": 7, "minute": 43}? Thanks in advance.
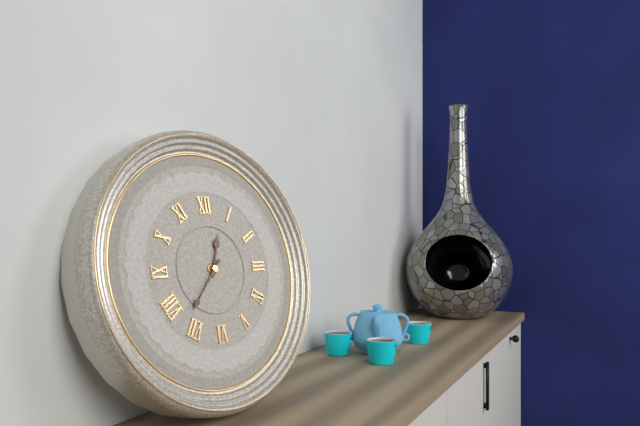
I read {"hour": 12, "minute": 37}
